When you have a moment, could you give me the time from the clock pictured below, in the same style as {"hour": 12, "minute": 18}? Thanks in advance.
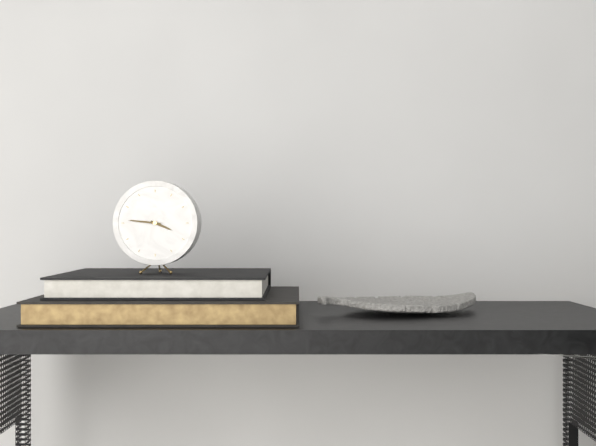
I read {"hour": 3, "minute": 46}
